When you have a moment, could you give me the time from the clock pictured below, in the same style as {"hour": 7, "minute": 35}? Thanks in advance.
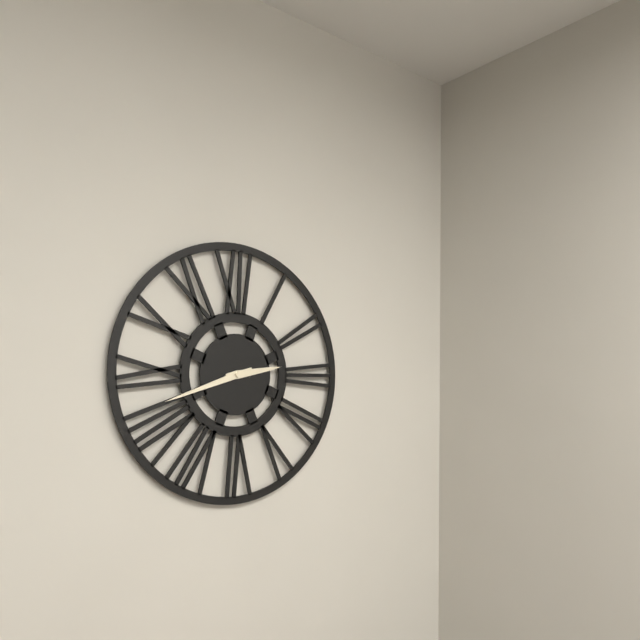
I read {"hour": 2, "minute": 42}
